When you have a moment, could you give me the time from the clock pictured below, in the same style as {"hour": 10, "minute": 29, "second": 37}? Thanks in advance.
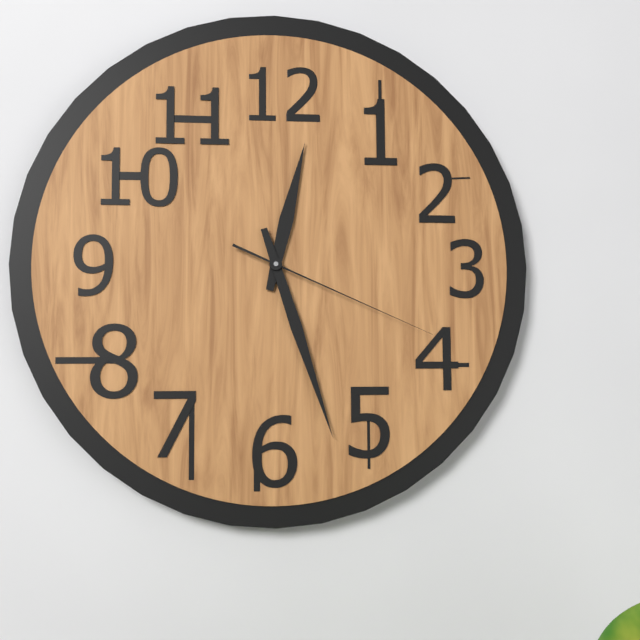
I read {"hour": 12, "minute": 27, "second": 19}
